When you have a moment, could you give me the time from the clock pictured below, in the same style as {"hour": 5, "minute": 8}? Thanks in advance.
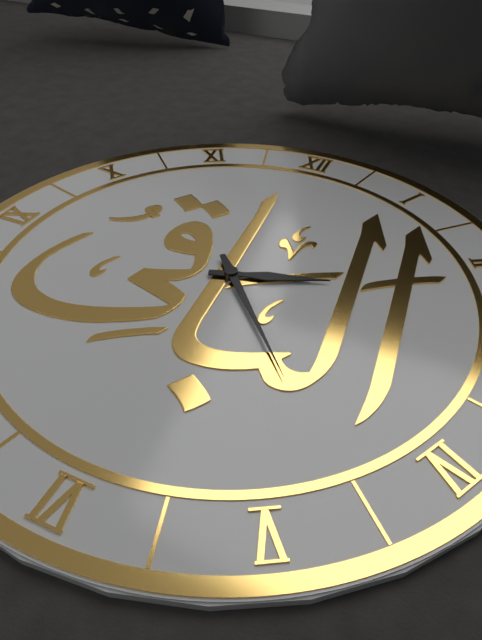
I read {"hour": 2, "minute": 23}
